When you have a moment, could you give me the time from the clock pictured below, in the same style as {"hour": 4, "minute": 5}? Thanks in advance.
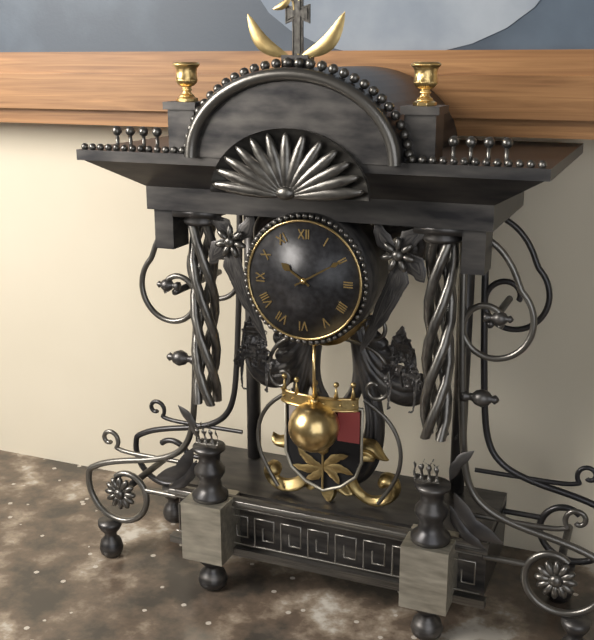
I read {"hour": 10, "minute": 10}
